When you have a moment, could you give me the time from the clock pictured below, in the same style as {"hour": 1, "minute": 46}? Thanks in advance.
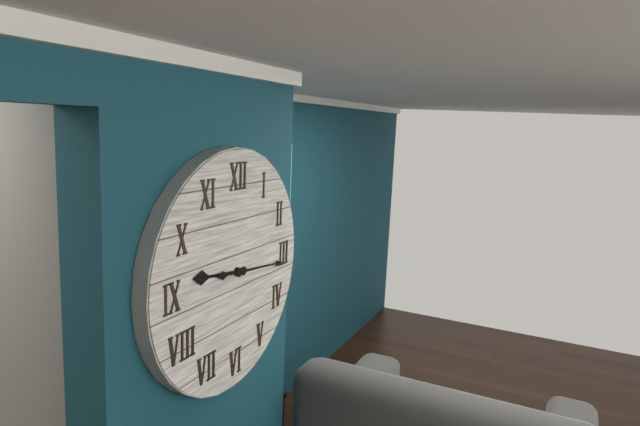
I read {"hour": 9, "minute": 16}
